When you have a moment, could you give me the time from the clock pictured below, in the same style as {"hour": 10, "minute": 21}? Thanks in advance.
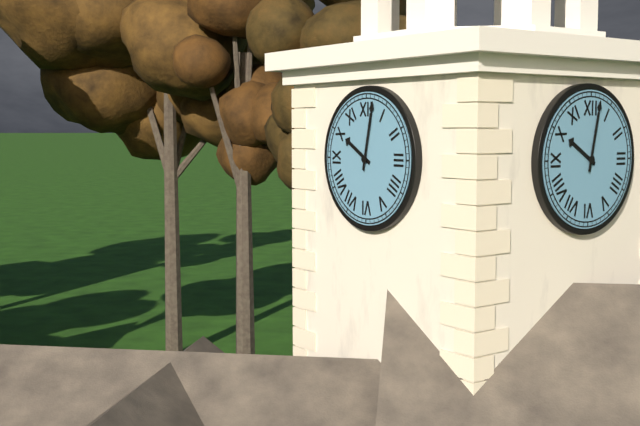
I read {"hour": 10, "minute": 2}
